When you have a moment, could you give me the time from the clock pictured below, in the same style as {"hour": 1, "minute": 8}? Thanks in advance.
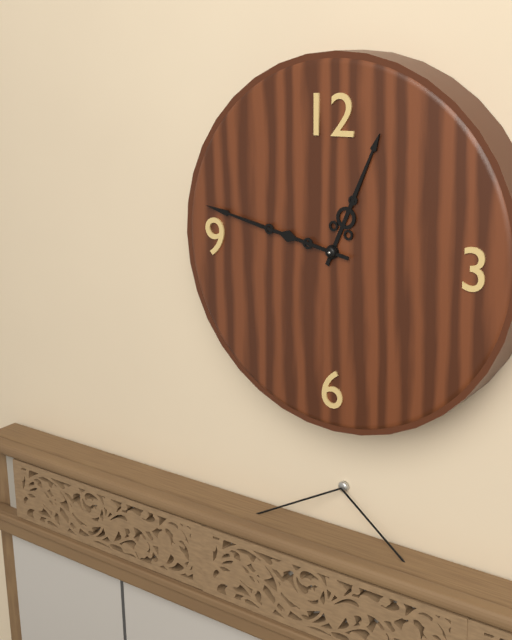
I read {"hour": 12, "minute": 47}
